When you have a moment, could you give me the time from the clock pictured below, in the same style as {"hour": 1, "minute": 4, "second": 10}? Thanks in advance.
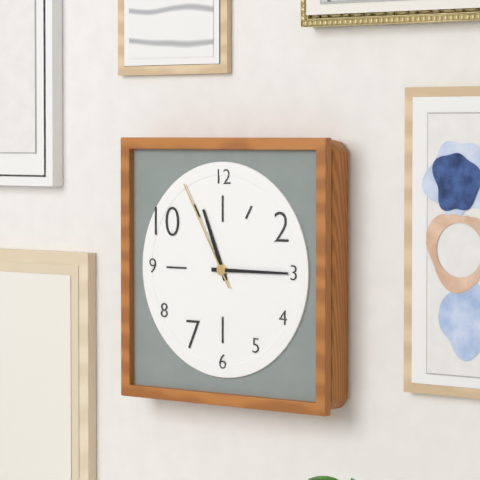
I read {"hour": 11, "minute": 15, "second": 55}
